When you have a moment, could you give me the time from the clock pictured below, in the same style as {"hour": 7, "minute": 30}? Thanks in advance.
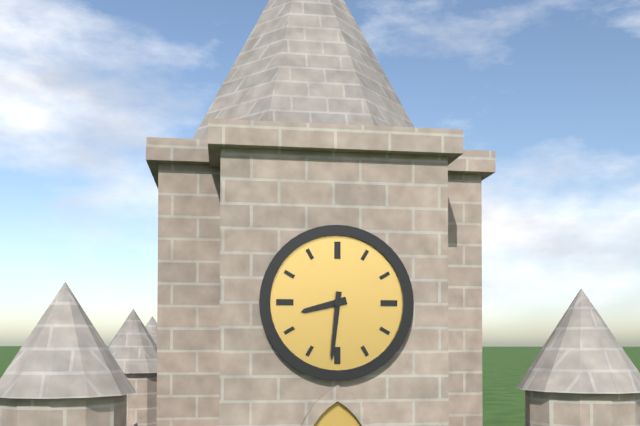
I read {"hour": 8, "minute": 31}
